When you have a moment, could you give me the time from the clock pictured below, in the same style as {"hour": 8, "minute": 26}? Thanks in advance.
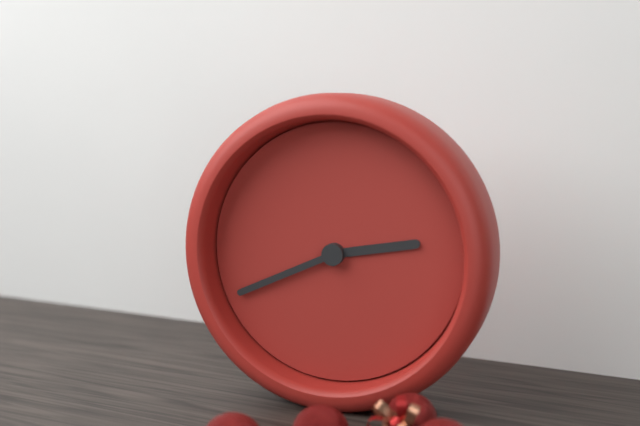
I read {"hour": 2, "minute": 41}
